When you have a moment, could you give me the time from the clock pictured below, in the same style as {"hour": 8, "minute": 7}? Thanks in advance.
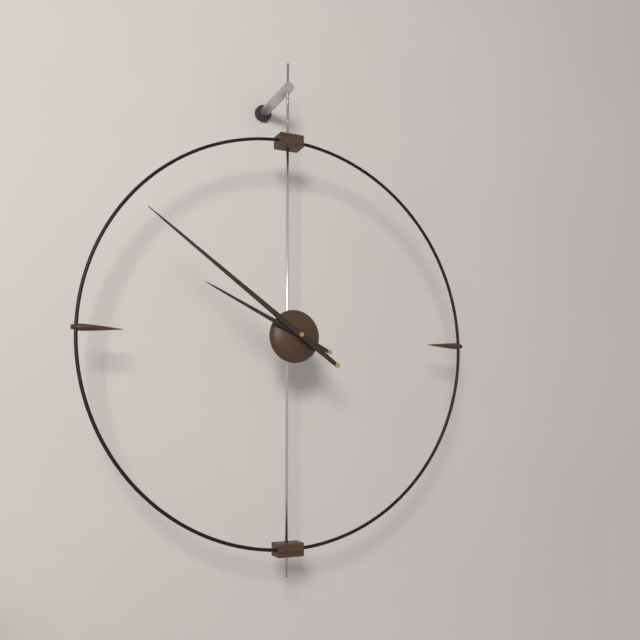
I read {"hour": 9, "minute": 51}
